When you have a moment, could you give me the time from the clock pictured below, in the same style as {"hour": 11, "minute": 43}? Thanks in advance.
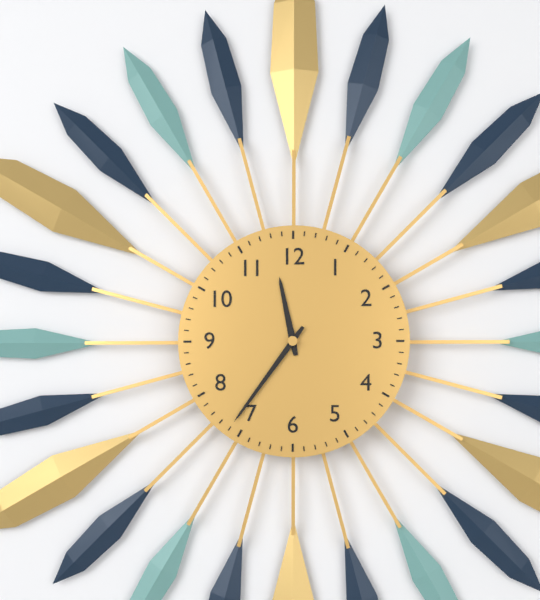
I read {"hour": 11, "minute": 36}
